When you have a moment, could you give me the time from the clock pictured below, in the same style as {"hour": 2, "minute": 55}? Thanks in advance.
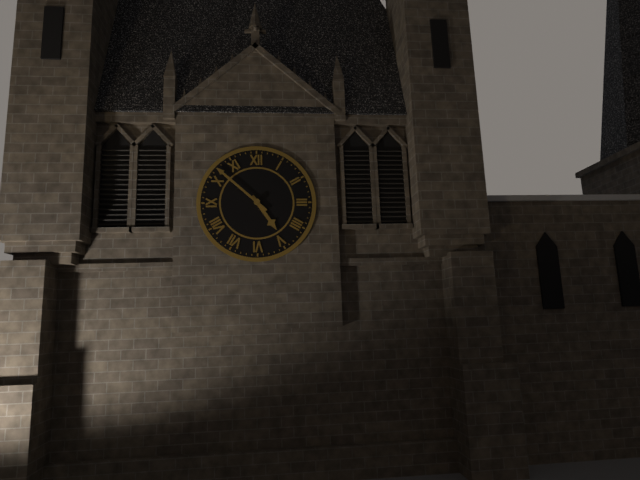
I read {"hour": 4, "minute": 52}
